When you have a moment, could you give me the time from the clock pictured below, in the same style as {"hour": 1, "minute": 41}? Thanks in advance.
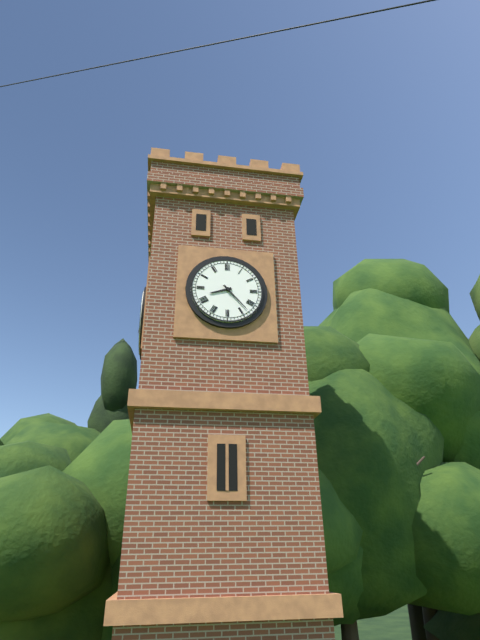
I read {"hour": 8, "minute": 23}
